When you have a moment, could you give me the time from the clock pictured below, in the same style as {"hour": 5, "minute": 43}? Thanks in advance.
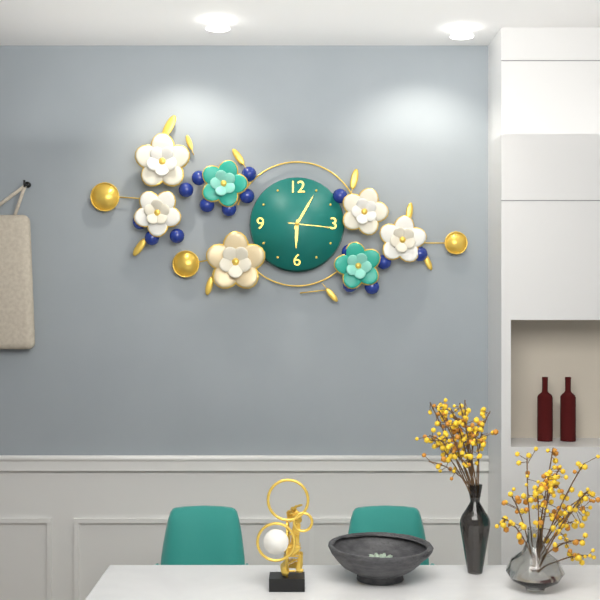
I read {"hour": 6, "minute": 5}
